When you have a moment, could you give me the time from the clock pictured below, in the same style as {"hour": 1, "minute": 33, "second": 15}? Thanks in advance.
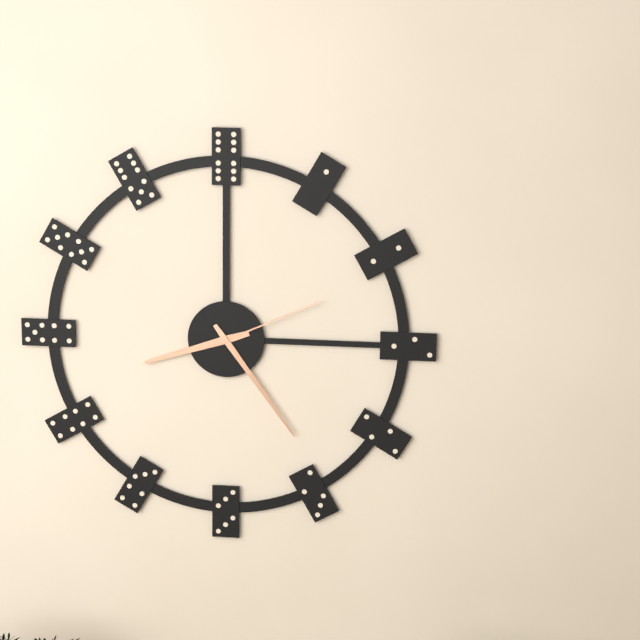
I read {"hour": 8, "minute": 24, "second": 11}
